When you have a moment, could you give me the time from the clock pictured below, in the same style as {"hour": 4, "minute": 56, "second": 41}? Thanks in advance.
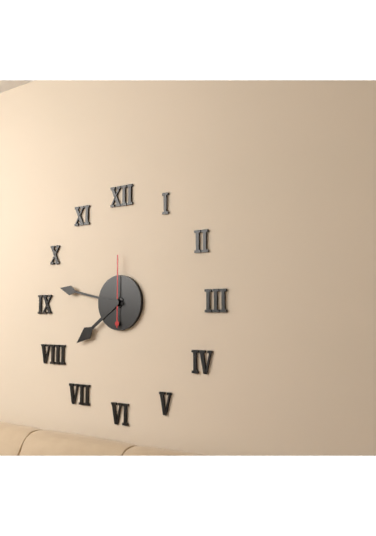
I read {"hour": 7, "minute": 47, "second": 0}
